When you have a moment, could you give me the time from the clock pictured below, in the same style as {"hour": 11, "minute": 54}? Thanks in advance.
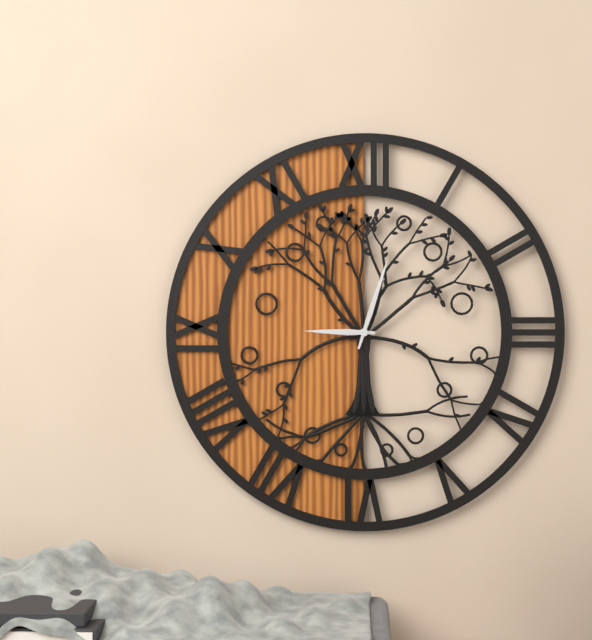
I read {"hour": 9, "minute": 3}
